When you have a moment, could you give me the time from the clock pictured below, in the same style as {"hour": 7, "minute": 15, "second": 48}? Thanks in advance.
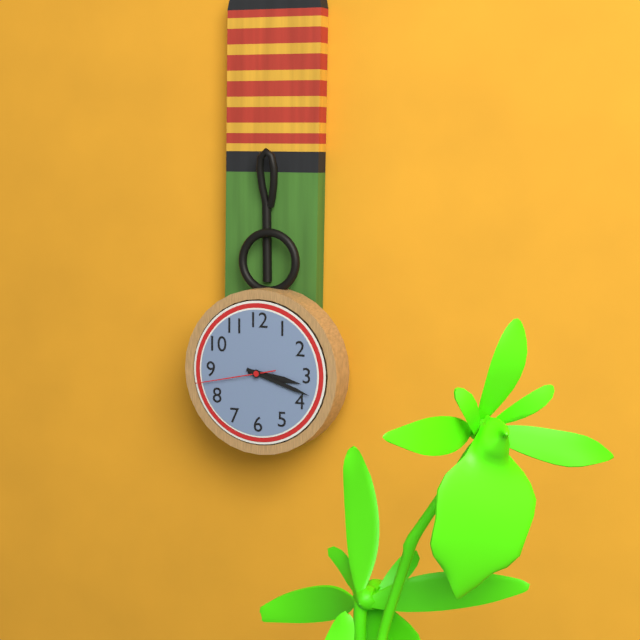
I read {"hour": 3, "minute": 18, "second": 43}
